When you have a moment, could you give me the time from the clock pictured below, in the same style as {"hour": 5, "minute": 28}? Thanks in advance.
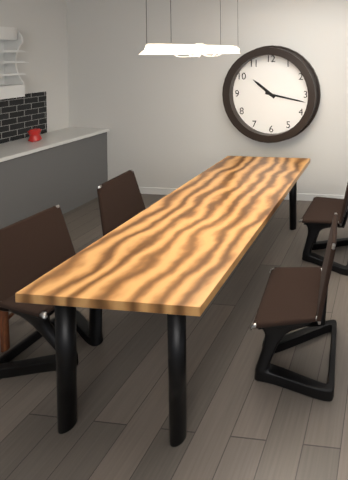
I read {"hour": 10, "minute": 17}
